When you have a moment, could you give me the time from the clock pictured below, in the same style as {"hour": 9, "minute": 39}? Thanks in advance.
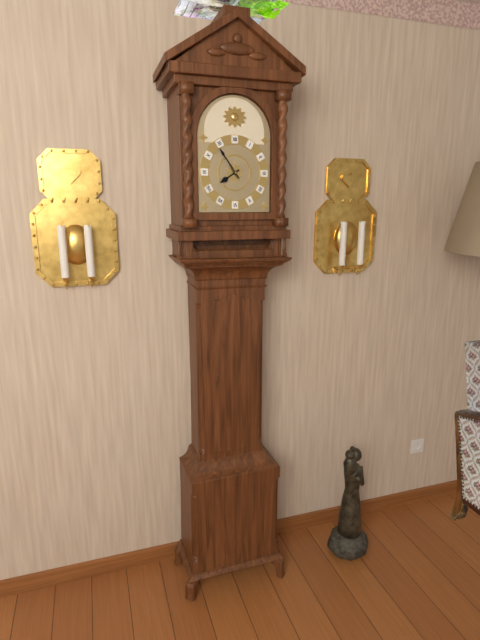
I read {"hour": 7, "minute": 54}
